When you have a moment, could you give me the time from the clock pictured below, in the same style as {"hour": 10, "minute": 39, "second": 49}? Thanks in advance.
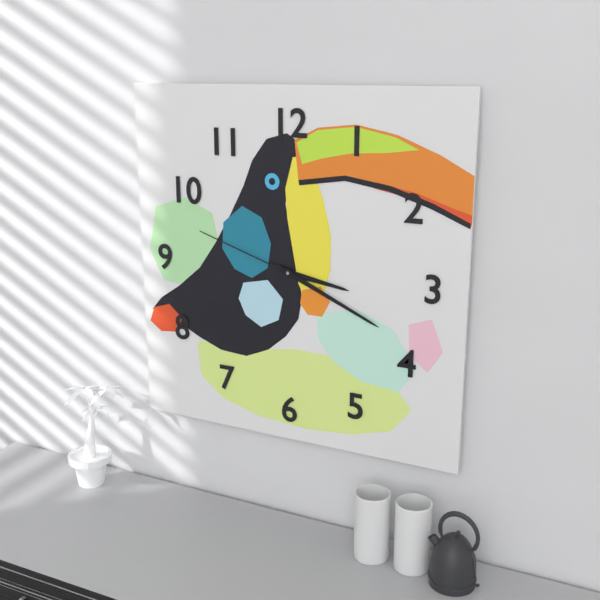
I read {"hour": 3, "minute": 19, "second": 48}
